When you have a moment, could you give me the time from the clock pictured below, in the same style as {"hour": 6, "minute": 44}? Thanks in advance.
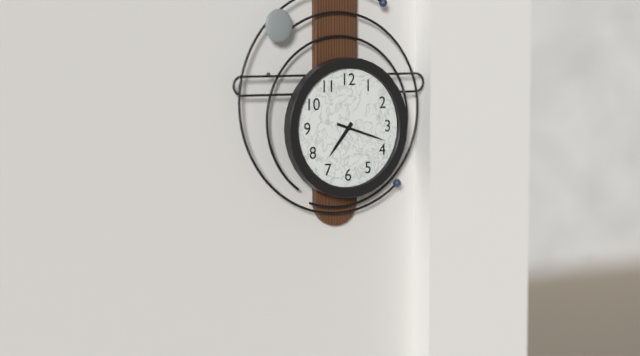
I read {"hour": 7, "minute": 18}
